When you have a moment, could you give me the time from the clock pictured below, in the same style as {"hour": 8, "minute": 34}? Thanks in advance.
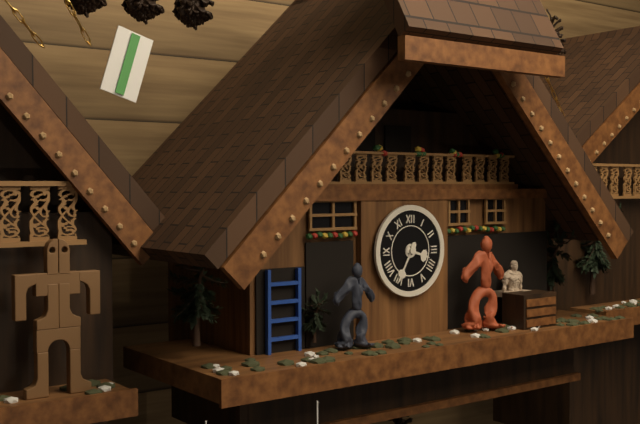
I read {"hour": 3, "minute": 35}
